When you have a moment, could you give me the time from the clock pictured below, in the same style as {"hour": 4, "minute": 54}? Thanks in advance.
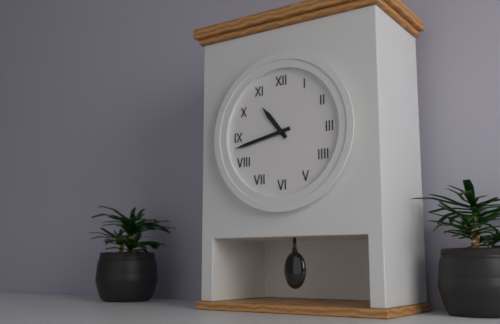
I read {"hour": 10, "minute": 43}
